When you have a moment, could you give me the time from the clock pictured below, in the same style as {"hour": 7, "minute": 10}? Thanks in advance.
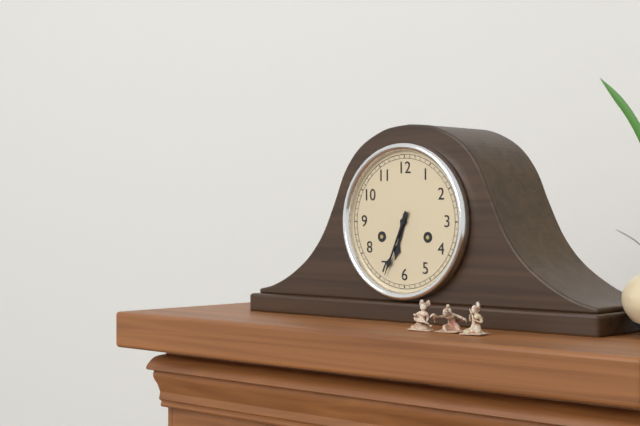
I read {"hour": 6, "minute": 34}
